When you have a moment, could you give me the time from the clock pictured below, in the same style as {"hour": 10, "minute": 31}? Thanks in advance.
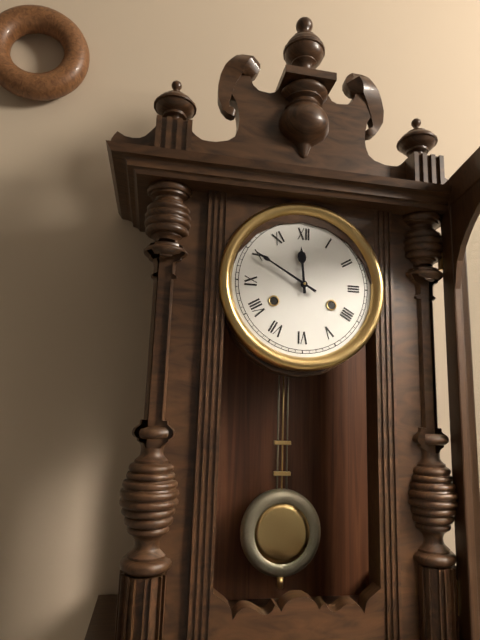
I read {"hour": 11, "minute": 50}
